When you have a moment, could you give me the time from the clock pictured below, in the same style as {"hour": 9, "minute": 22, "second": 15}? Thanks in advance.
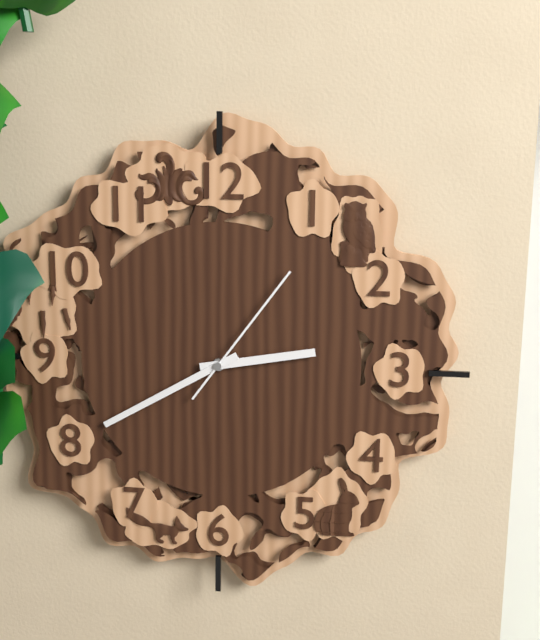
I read {"hour": 2, "minute": 40, "second": 6}
